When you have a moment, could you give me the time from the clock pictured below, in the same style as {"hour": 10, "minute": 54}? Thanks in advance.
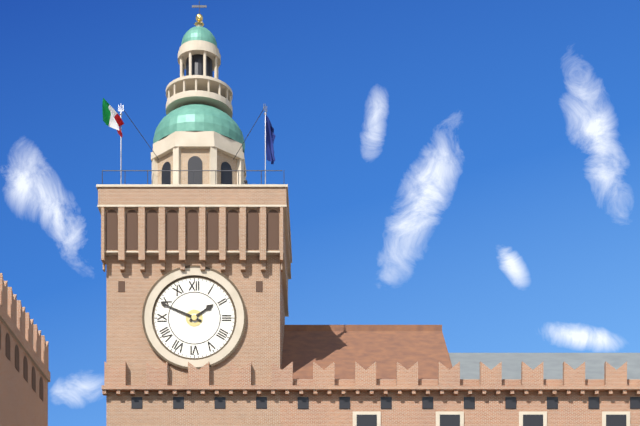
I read {"hour": 1, "minute": 49}
